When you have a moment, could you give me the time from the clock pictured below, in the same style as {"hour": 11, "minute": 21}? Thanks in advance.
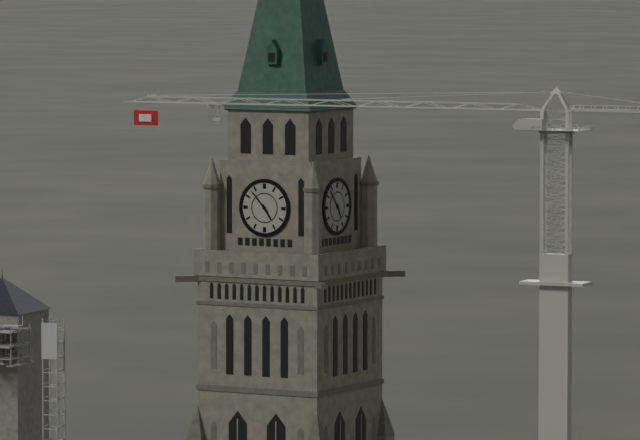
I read {"hour": 4, "minute": 53}
